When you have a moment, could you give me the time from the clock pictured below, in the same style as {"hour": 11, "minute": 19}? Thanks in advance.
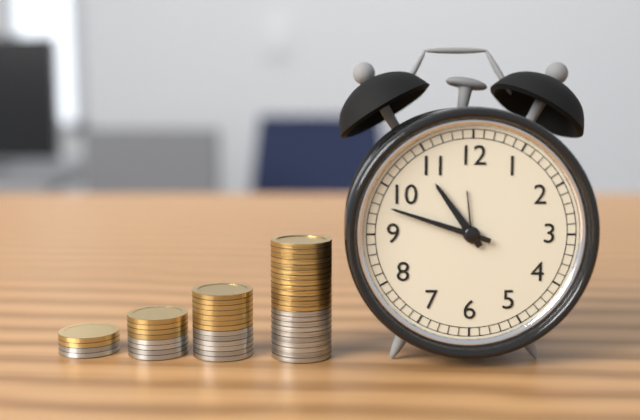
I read {"hour": 10, "minute": 48}
